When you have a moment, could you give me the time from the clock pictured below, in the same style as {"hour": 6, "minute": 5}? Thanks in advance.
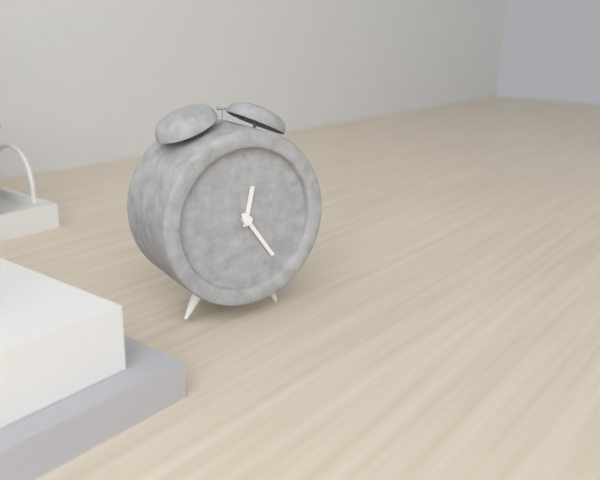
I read {"hour": 12, "minute": 24}
